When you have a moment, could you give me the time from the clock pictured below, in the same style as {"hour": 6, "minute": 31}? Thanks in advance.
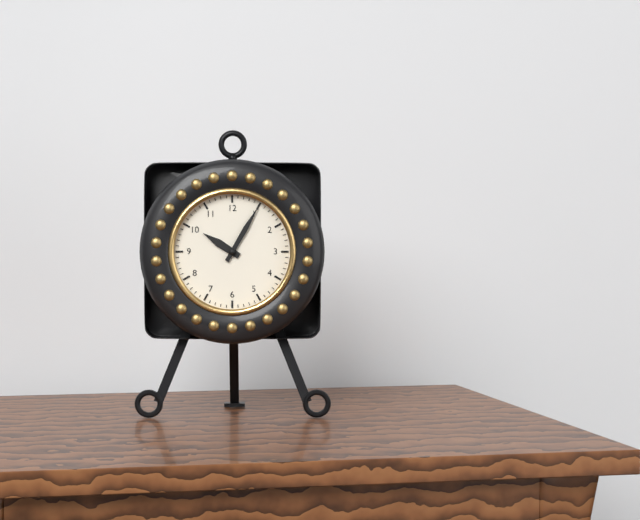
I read {"hour": 10, "minute": 5}
